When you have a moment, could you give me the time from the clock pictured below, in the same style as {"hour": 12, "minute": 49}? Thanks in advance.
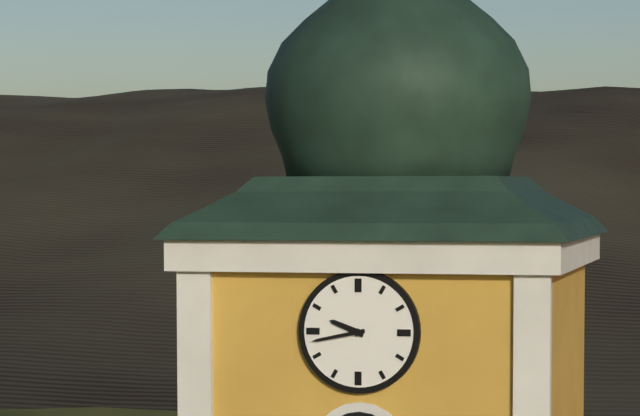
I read {"hour": 9, "minute": 43}
